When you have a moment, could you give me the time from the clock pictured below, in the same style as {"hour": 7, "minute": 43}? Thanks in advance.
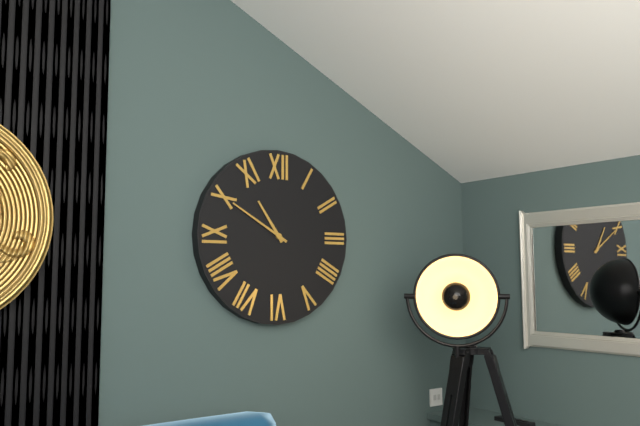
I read {"hour": 10, "minute": 50}
